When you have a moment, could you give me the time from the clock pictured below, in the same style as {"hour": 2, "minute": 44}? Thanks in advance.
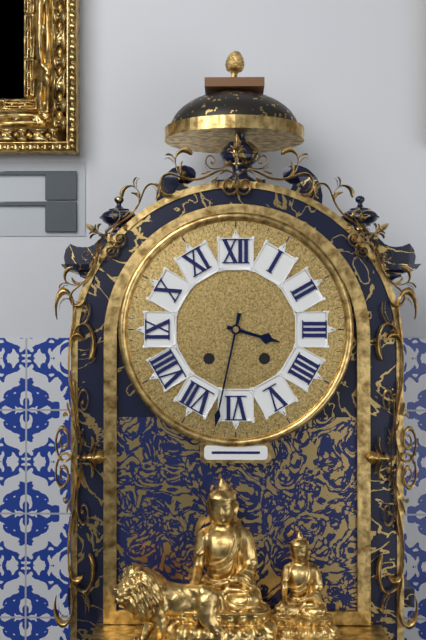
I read {"hour": 3, "minute": 32}
